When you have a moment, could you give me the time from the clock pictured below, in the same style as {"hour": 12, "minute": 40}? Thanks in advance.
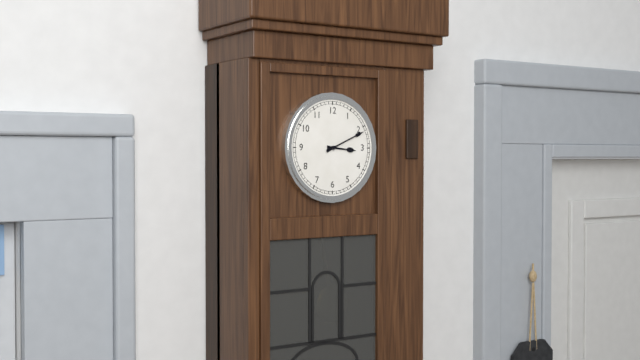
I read {"hour": 3, "minute": 11}
